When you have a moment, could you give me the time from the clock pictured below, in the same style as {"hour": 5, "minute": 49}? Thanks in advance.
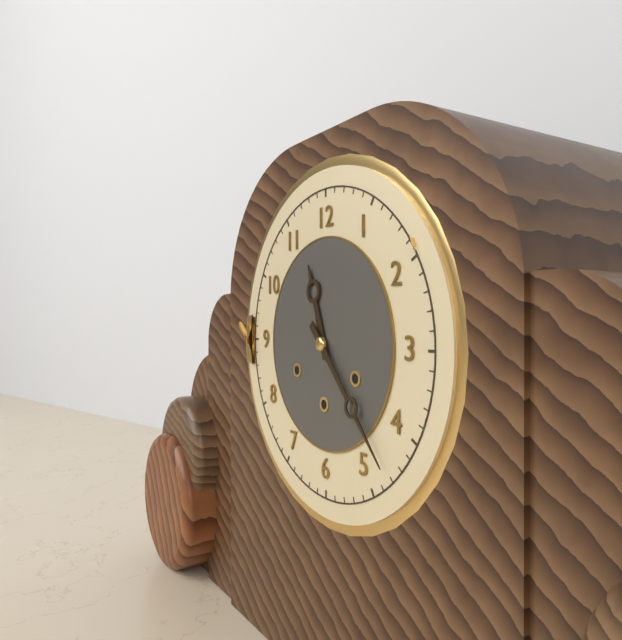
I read {"hour": 11, "minute": 23}
